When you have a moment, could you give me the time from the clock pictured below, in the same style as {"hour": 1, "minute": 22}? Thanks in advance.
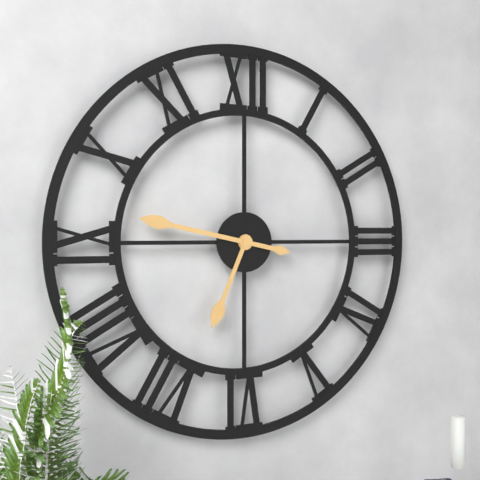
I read {"hour": 6, "minute": 47}
